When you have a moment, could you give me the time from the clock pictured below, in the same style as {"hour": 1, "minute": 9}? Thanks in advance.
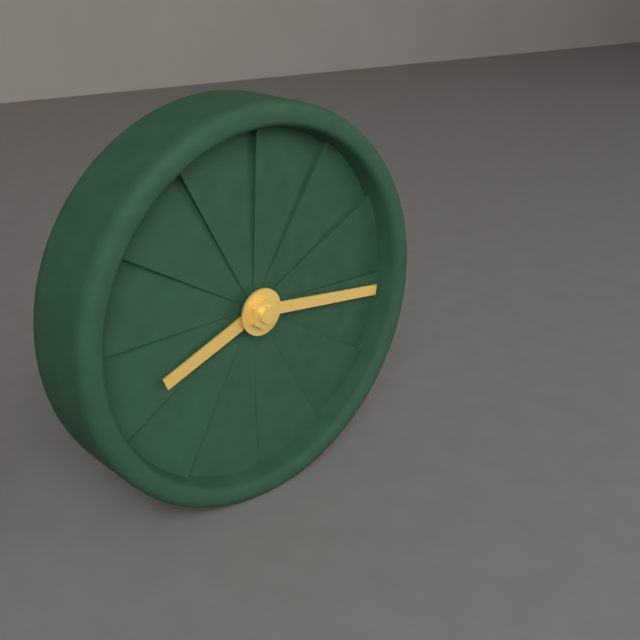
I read {"hour": 8, "minute": 16}
